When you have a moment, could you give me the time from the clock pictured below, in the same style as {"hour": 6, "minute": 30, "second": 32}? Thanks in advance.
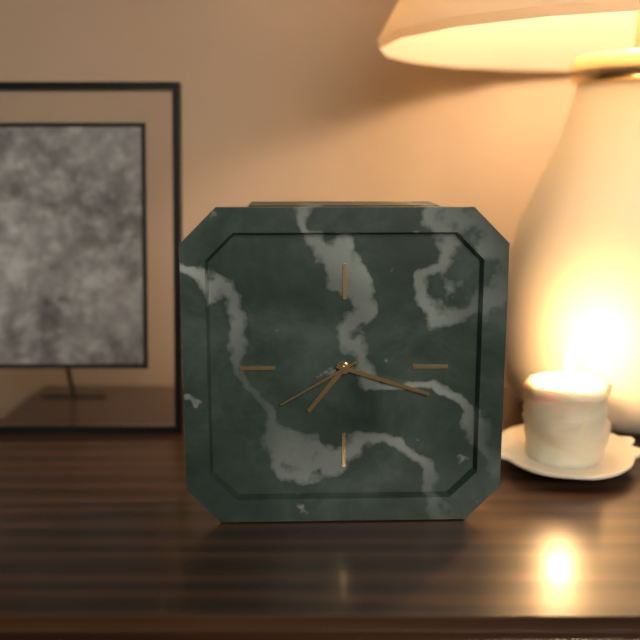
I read {"hour": 7, "minute": 18, "second": 40}
